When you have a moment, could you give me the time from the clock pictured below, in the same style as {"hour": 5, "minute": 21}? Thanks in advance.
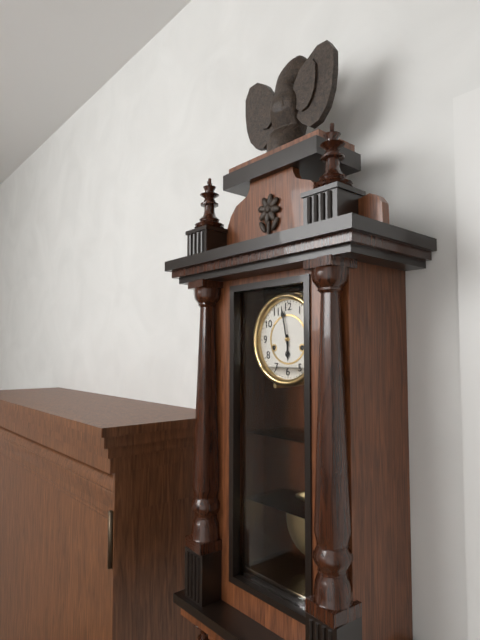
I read {"hour": 5, "minute": 58}
